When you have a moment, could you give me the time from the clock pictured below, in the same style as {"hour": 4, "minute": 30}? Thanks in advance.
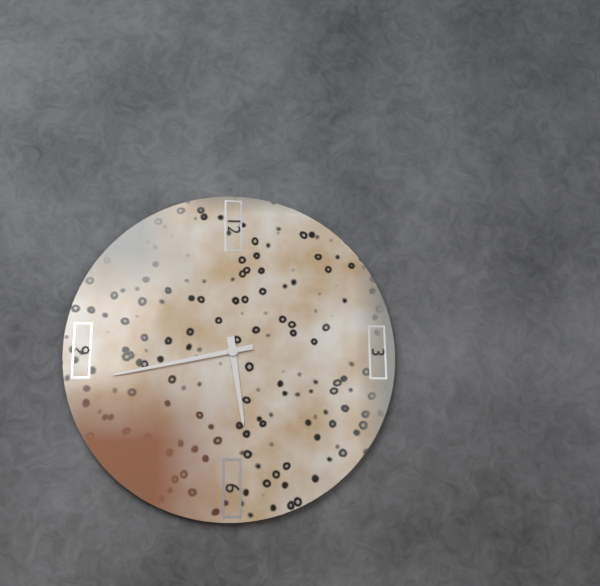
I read {"hour": 5, "minute": 43}
